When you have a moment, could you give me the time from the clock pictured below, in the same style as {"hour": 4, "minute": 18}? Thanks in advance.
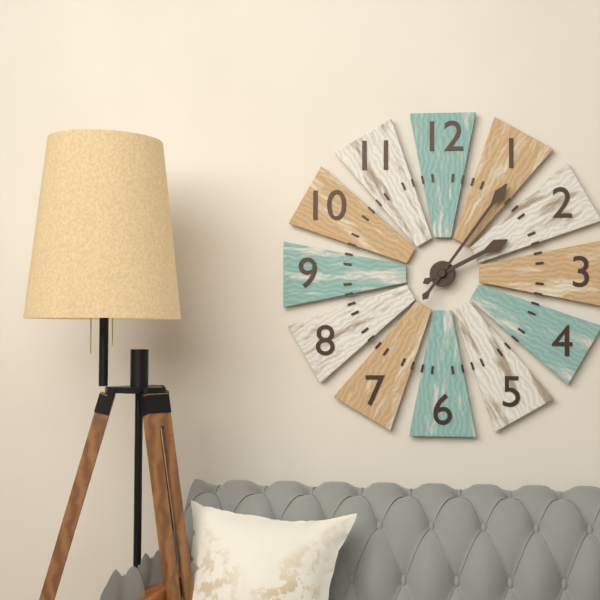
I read {"hour": 2, "minute": 6}
